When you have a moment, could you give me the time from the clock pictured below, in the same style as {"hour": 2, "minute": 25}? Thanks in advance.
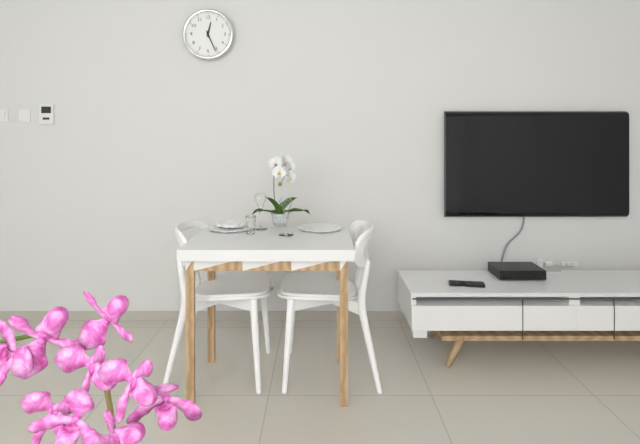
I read {"hour": 12, "minute": 26}
